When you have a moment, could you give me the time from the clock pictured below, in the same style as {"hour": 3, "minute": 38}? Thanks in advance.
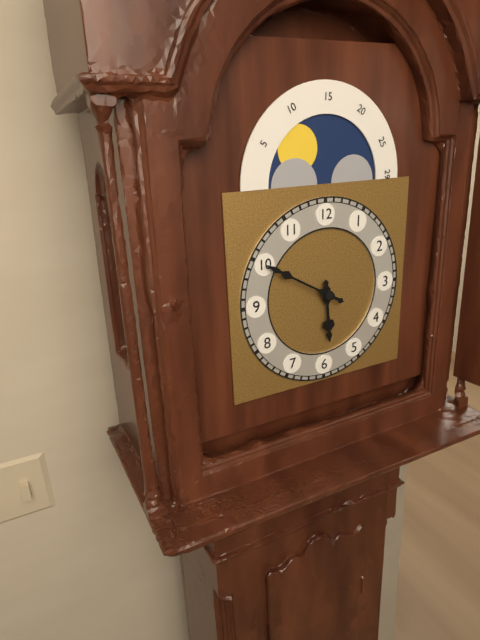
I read {"hour": 5, "minute": 50}
